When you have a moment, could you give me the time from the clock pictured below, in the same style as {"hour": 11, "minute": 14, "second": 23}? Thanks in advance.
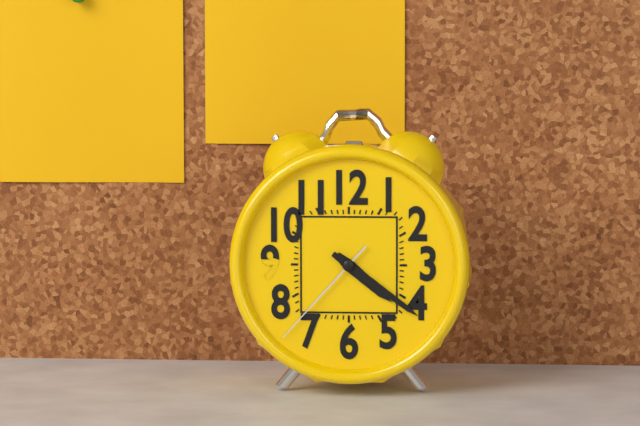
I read {"hour": 4, "minute": 21, "second": 37}
